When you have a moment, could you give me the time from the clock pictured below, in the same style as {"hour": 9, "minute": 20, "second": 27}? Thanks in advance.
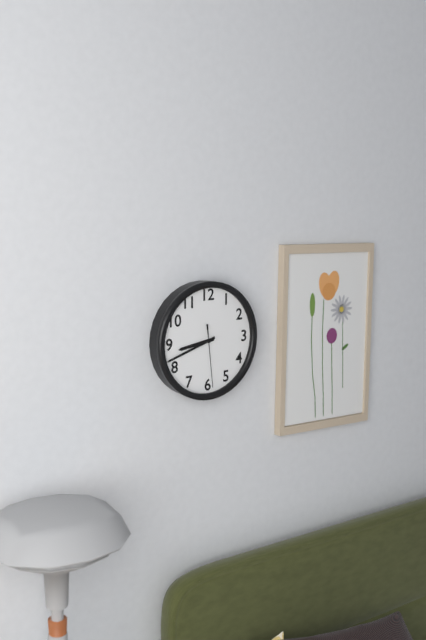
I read {"hour": 8, "minute": 42, "second": 29}
